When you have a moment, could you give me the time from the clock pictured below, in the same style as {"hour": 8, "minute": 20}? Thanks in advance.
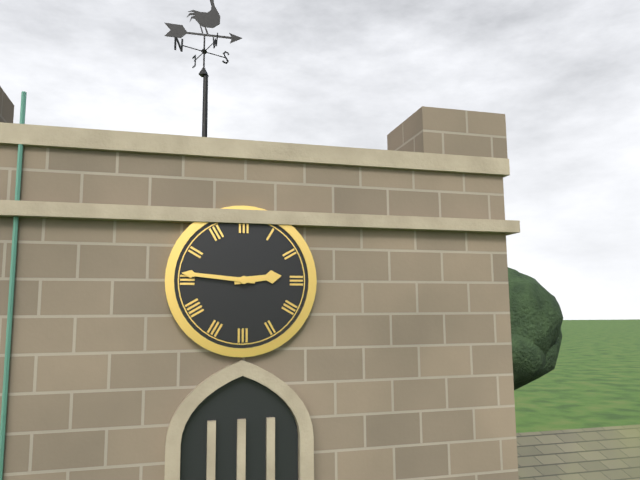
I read {"hour": 2, "minute": 46}
